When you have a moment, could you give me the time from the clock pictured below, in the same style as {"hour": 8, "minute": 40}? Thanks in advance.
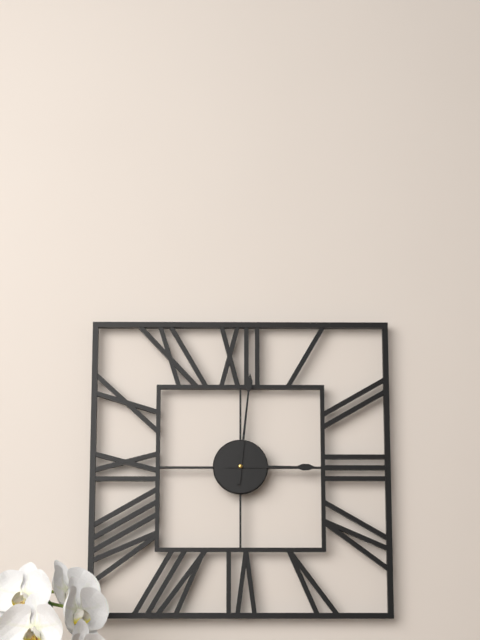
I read {"hour": 3, "minute": 1}
